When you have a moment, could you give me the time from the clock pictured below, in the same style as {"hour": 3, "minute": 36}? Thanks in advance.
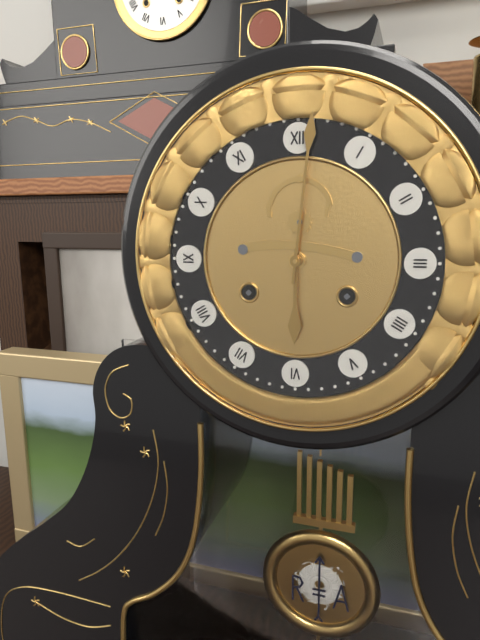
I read {"hour": 6, "minute": 1}
